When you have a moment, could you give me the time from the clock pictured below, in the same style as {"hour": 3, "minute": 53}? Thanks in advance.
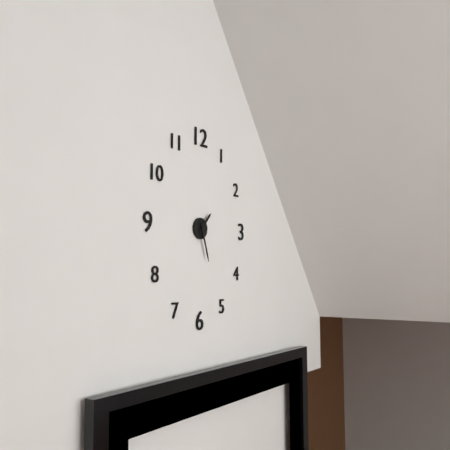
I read {"hour": 1, "minute": 27}
